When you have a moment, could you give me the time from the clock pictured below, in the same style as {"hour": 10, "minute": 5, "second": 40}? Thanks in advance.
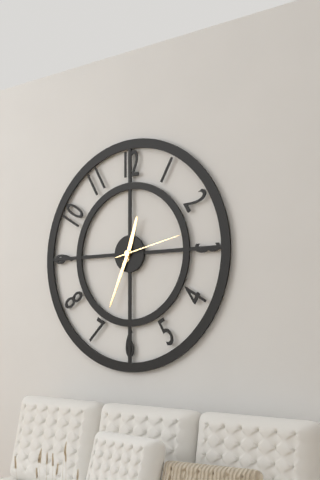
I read {"hour": 12, "minute": 34, "second": 13}
